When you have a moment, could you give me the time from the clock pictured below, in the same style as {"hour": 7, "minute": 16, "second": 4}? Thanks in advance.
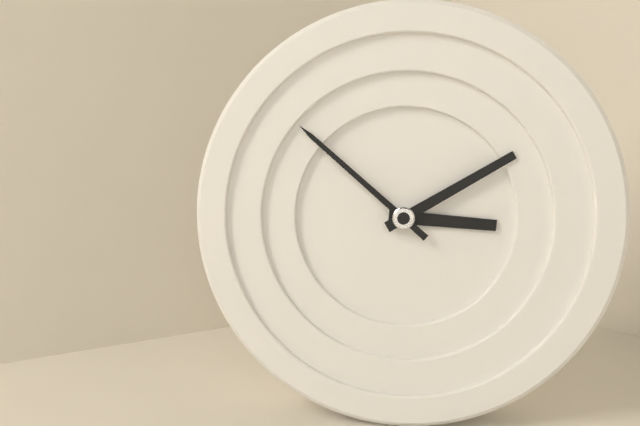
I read {"hour": 3, "minute": 10, "second": 52}
